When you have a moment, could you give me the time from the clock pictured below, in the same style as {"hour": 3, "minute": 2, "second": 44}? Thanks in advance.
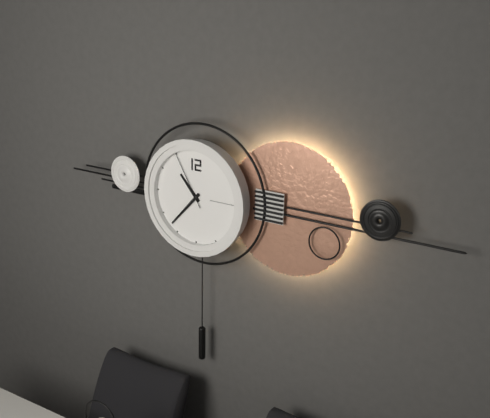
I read {"hour": 10, "minute": 37, "second": 55}
